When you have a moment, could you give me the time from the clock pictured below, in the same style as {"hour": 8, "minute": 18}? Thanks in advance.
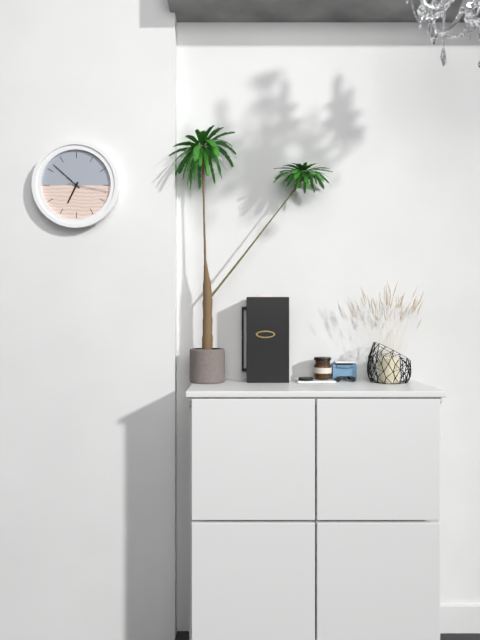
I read {"hour": 6, "minute": 52}
